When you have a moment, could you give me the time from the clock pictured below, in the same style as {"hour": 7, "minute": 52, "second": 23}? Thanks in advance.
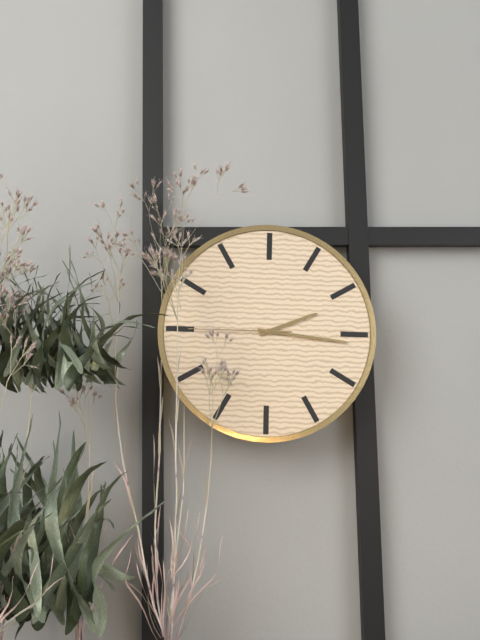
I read {"hour": 2, "minute": 16, "second": 45}
